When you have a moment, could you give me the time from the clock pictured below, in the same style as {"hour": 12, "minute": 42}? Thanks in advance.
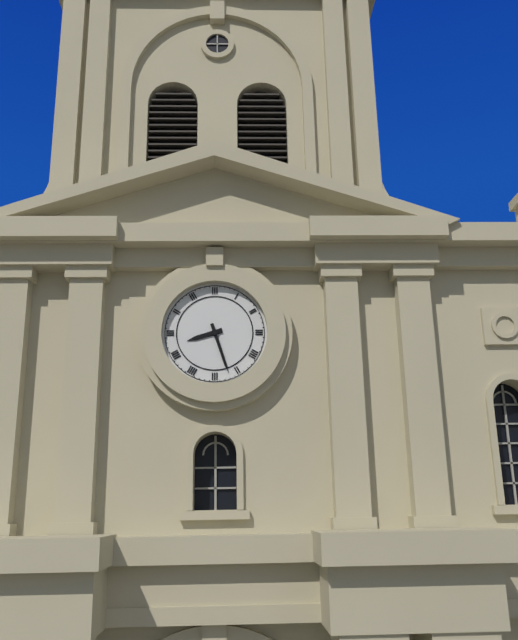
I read {"hour": 8, "minute": 27}
